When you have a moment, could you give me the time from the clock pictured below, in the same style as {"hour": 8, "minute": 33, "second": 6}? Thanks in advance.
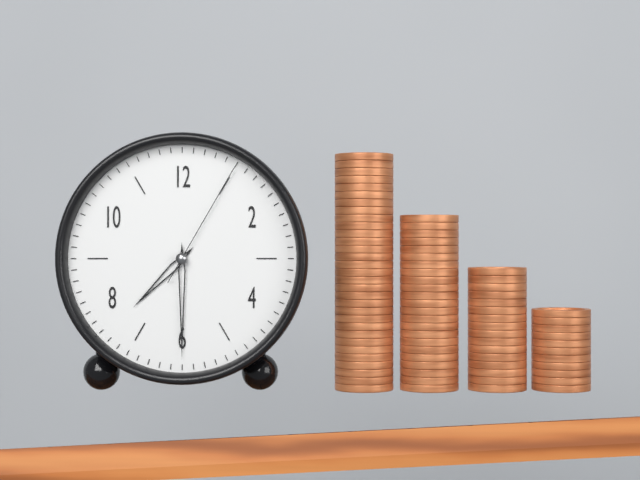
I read {"hour": 7, "minute": 30, "second": 5}
